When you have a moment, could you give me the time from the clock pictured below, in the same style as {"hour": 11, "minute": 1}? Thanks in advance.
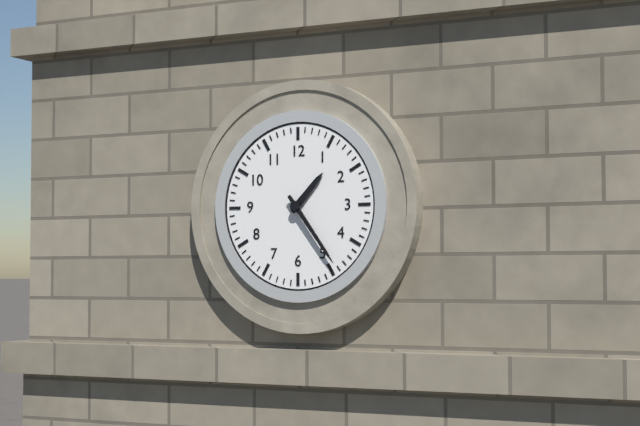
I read {"hour": 1, "minute": 24}
